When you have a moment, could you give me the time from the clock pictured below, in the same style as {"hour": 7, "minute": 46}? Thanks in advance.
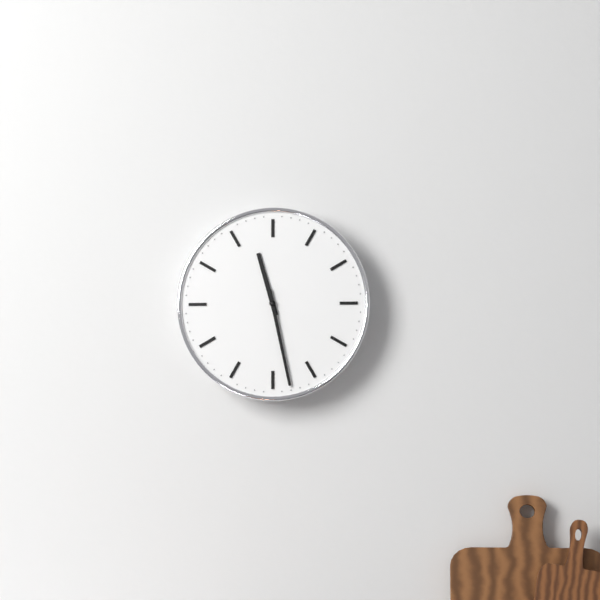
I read {"hour": 11, "minute": 28}
